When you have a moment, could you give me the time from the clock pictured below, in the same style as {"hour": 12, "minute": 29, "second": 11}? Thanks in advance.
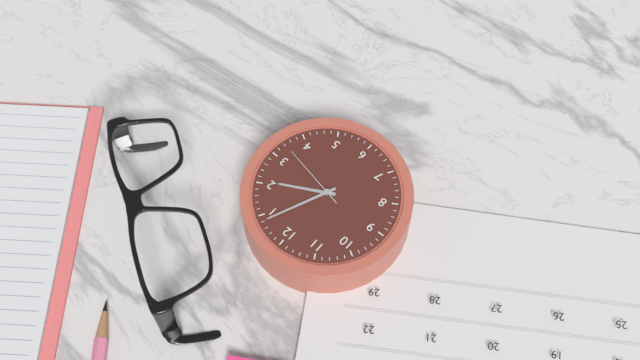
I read {"hour": 2, "minute": 4, "second": 17}
